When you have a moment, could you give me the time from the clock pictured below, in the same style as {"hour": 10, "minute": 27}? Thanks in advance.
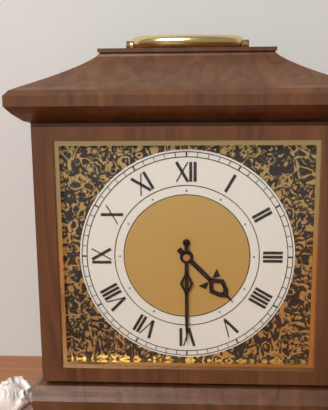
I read {"hour": 4, "minute": 30}
